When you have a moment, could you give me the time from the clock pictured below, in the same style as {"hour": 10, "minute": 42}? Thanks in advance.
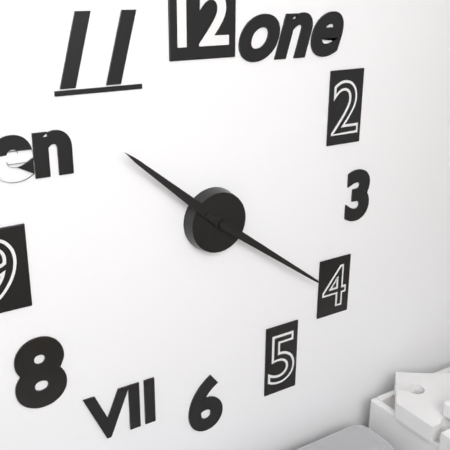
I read {"hour": 10, "minute": 21}
